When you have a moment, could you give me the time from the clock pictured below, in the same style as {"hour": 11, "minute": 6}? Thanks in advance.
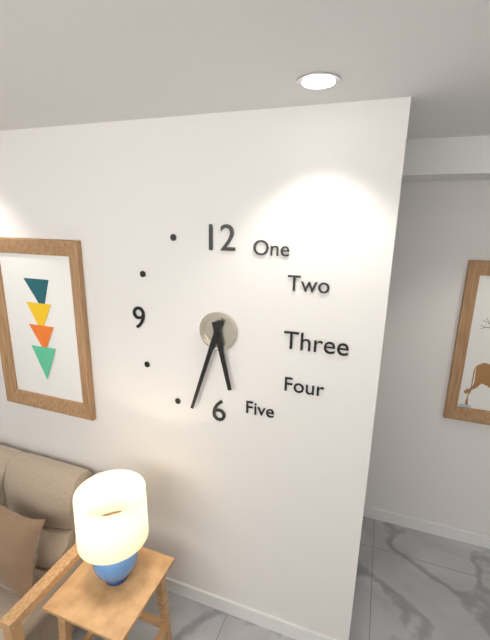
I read {"hour": 5, "minute": 33}
